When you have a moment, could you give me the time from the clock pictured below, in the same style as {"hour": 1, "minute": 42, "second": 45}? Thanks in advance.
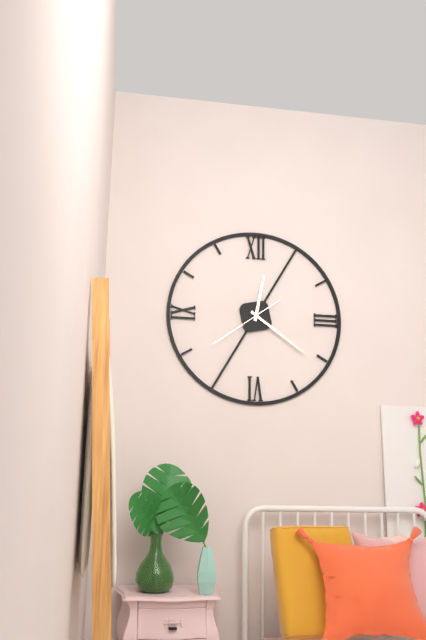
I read {"hour": 12, "minute": 21, "second": 39}
